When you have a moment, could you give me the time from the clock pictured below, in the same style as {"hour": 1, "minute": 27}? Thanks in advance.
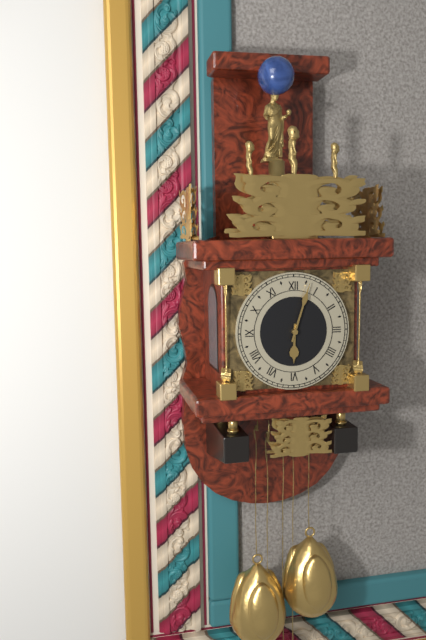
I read {"hour": 6, "minute": 3}
